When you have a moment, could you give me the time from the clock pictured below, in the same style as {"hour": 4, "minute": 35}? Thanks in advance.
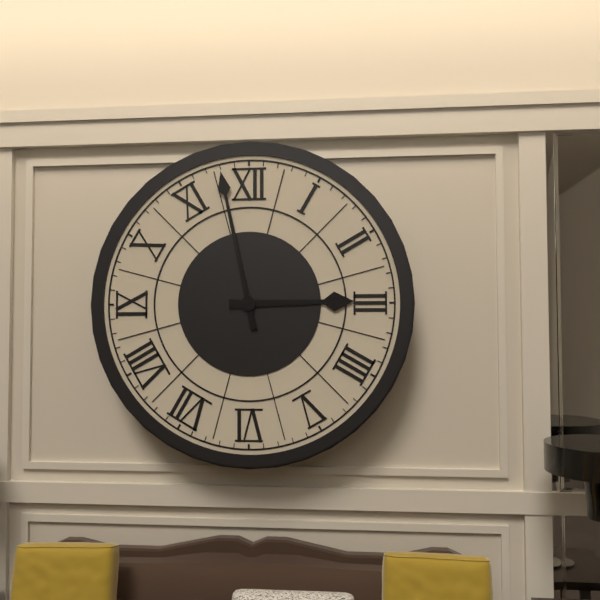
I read {"hour": 2, "minute": 58}
